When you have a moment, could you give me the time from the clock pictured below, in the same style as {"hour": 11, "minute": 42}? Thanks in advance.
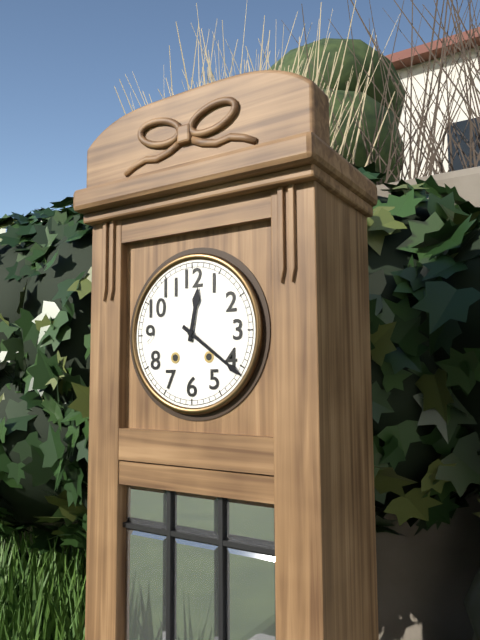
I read {"hour": 12, "minute": 21}
